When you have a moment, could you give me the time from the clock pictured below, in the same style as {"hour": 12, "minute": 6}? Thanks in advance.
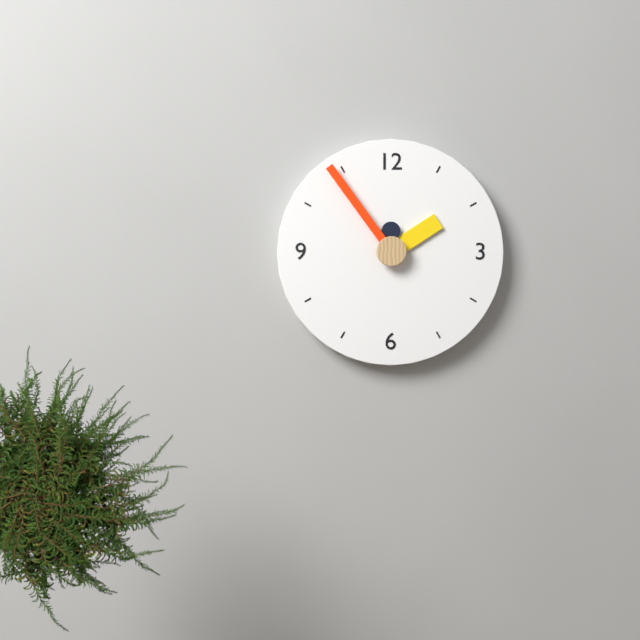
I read {"hour": 1, "minute": 54}
